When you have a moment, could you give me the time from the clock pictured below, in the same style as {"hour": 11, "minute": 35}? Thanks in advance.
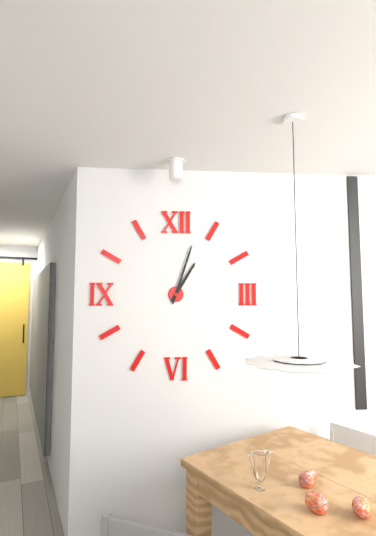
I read {"hour": 1, "minute": 3}
